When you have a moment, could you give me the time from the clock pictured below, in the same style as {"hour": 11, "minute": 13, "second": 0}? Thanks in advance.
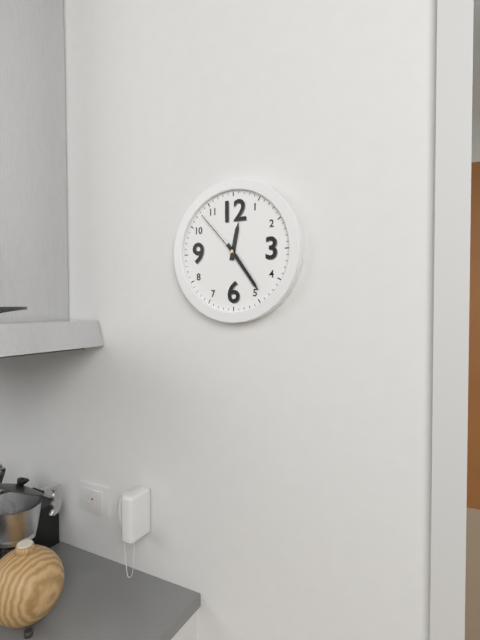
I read {"hour": 12, "minute": 24, "second": 53}
